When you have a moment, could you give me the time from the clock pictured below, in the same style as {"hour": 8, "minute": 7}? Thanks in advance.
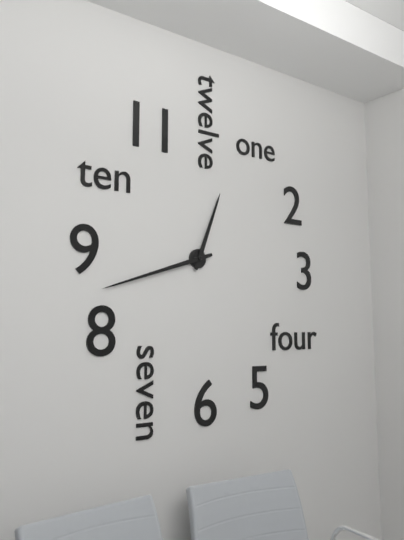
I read {"hour": 12, "minute": 42}
